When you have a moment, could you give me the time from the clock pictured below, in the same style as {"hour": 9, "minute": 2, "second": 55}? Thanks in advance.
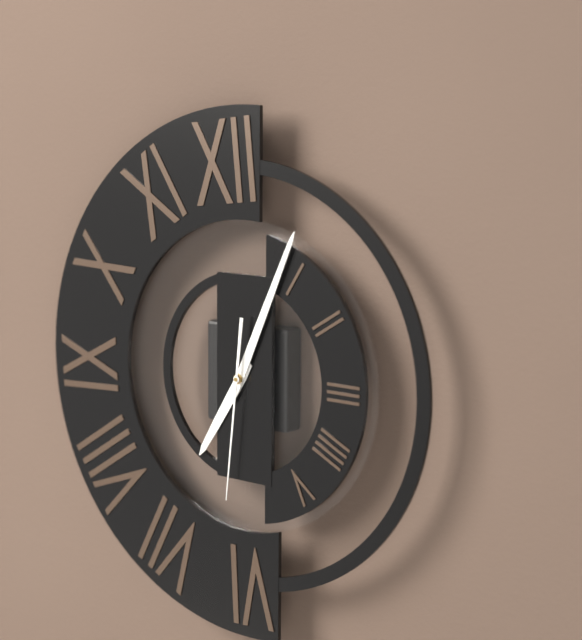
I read {"hour": 7, "minute": 4, "second": 31}
